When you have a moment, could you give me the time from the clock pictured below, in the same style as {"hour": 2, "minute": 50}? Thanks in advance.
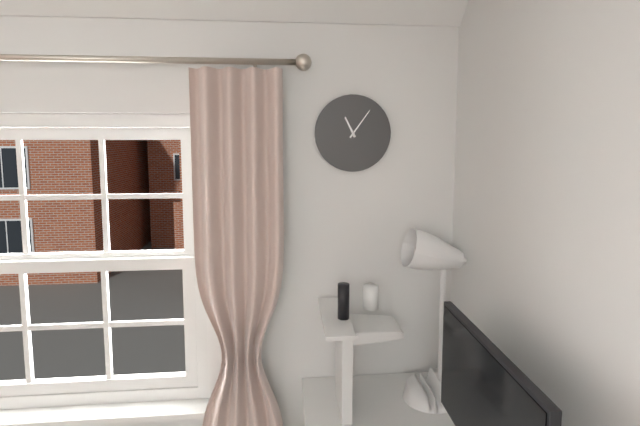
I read {"hour": 11, "minute": 6}
